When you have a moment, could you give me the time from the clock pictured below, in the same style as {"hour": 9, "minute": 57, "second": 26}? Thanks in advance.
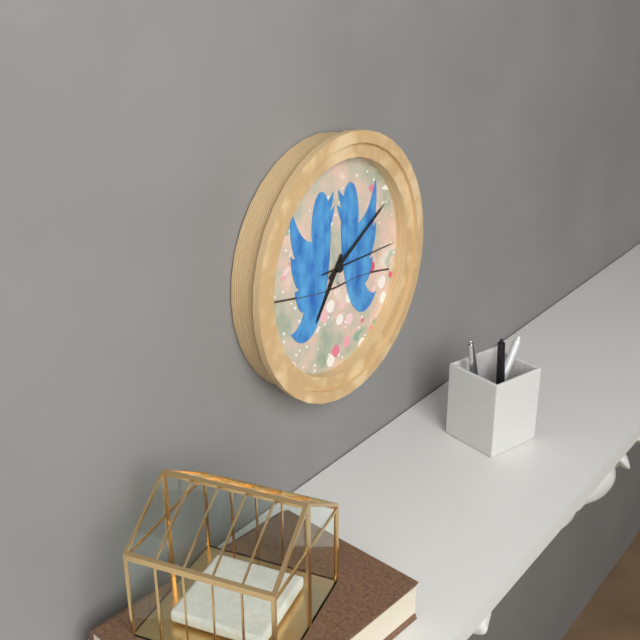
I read {"hour": 7, "minute": 10, "second": 15}
